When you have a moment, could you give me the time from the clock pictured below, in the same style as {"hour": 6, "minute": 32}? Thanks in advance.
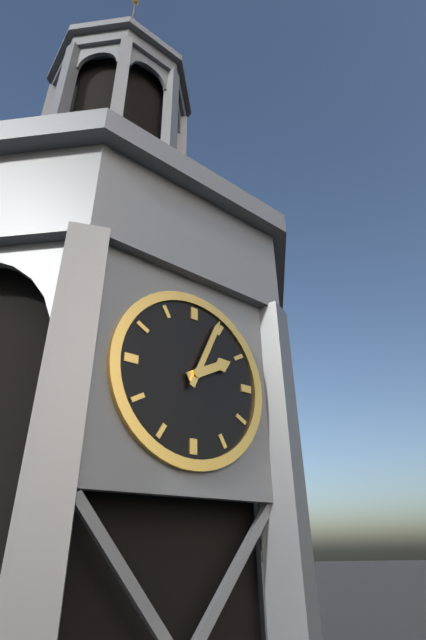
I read {"hour": 2, "minute": 4}
